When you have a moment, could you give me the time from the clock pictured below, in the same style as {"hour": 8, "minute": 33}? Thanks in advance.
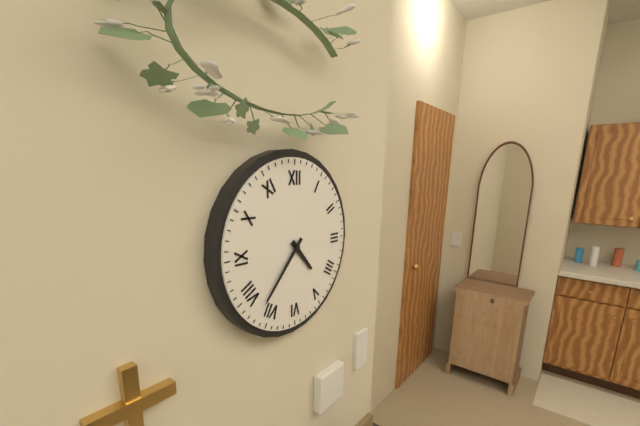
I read {"hour": 4, "minute": 37}
